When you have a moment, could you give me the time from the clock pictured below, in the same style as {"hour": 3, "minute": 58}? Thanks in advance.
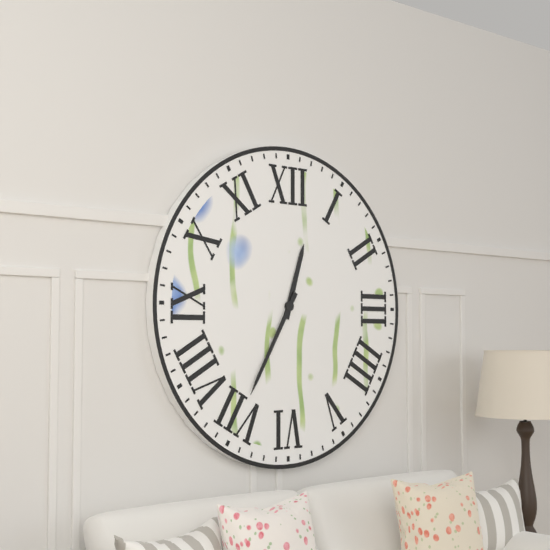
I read {"hour": 12, "minute": 35}
